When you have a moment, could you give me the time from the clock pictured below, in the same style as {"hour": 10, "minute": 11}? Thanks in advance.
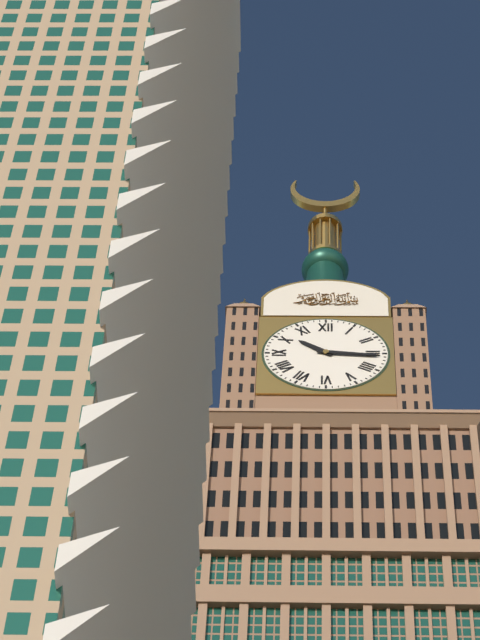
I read {"hour": 10, "minute": 16}
